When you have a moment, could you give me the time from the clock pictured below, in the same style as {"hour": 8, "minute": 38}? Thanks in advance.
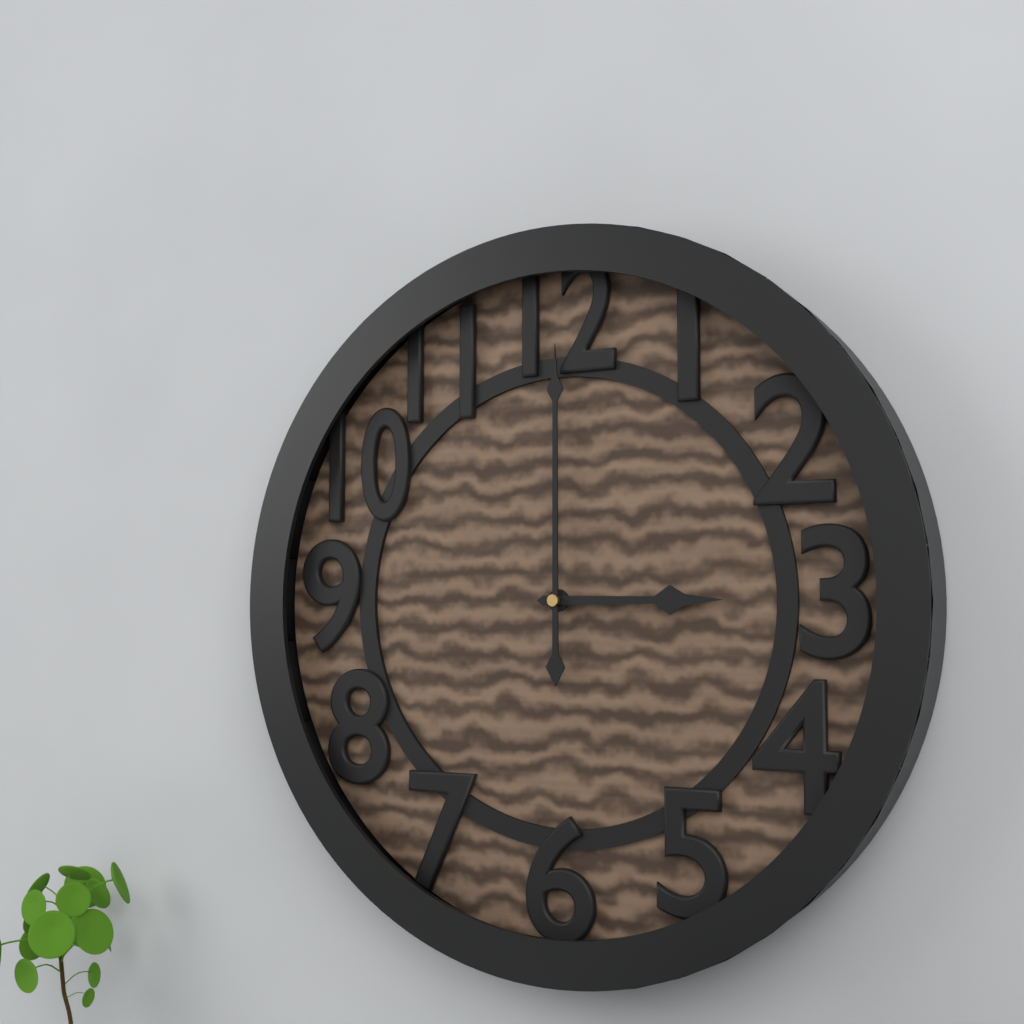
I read {"hour": 3, "minute": 0}
